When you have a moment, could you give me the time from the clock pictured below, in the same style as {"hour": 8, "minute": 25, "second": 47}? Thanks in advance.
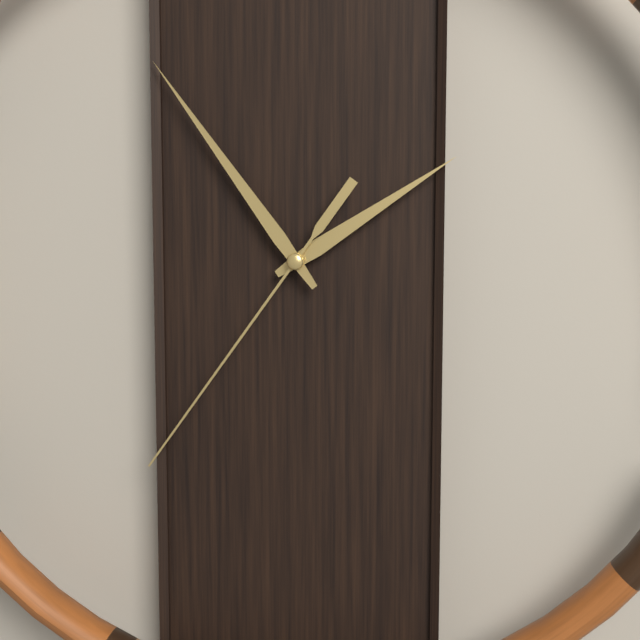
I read {"hour": 1, "minute": 54, "second": 36}
